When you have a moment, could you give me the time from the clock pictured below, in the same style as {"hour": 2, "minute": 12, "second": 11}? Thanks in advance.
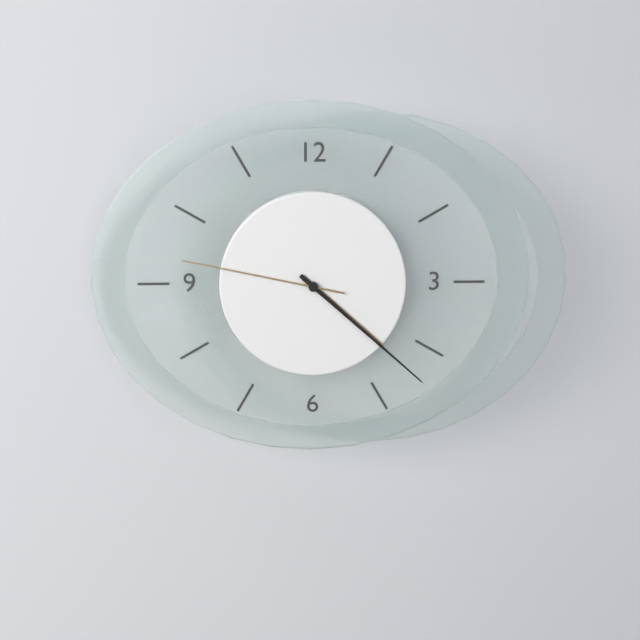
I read {"hour": 4, "minute": 22, "second": 47}
